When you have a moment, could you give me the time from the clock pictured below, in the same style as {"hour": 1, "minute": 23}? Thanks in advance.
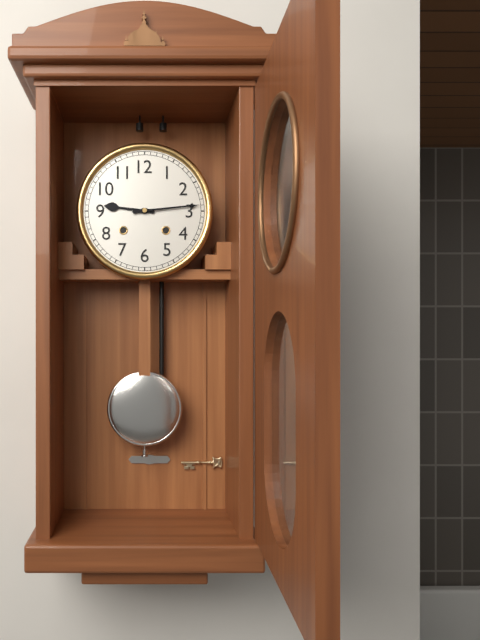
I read {"hour": 9, "minute": 14}
